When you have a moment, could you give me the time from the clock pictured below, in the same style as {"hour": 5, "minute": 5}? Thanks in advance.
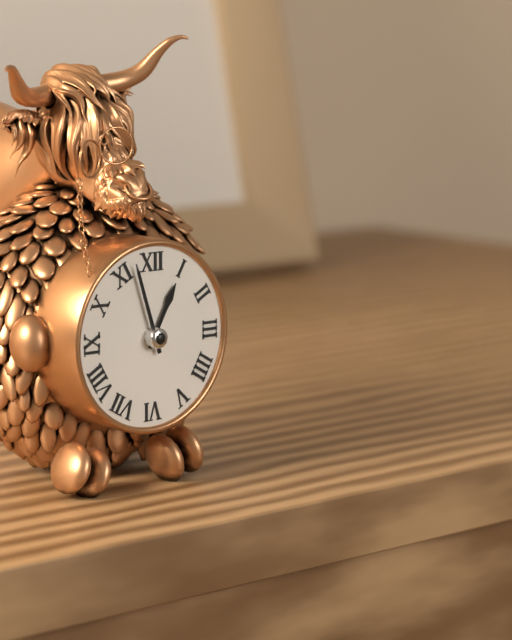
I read {"hour": 12, "minute": 57}
